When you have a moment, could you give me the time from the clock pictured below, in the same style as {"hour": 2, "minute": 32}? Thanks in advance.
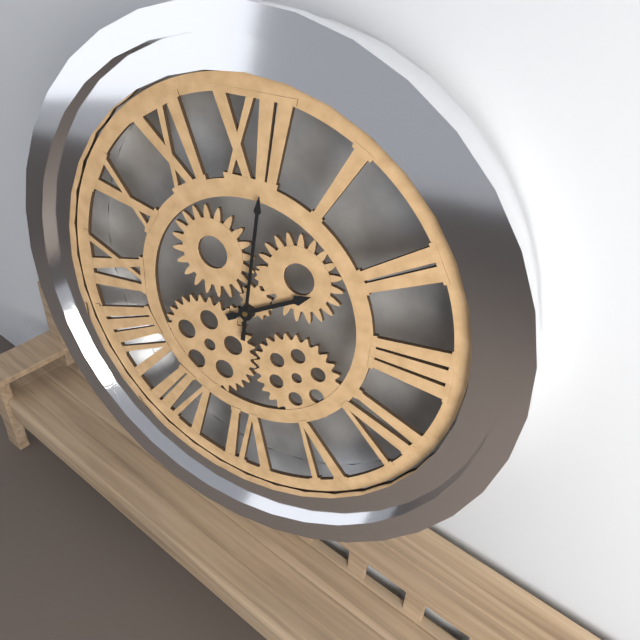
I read {"hour": 2, "minute": 1}
